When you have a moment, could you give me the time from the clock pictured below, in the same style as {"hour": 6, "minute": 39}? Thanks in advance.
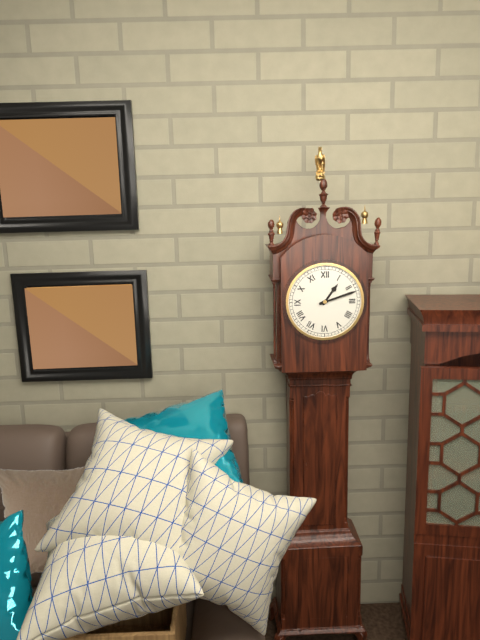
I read {"hour": 1, "minute": 12}
